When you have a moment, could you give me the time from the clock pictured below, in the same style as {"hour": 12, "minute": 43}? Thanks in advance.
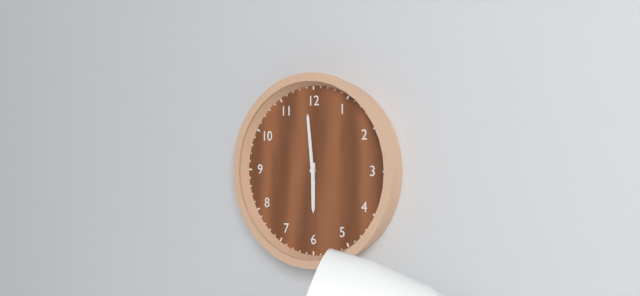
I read {"hour": 5, "minute": 59}
